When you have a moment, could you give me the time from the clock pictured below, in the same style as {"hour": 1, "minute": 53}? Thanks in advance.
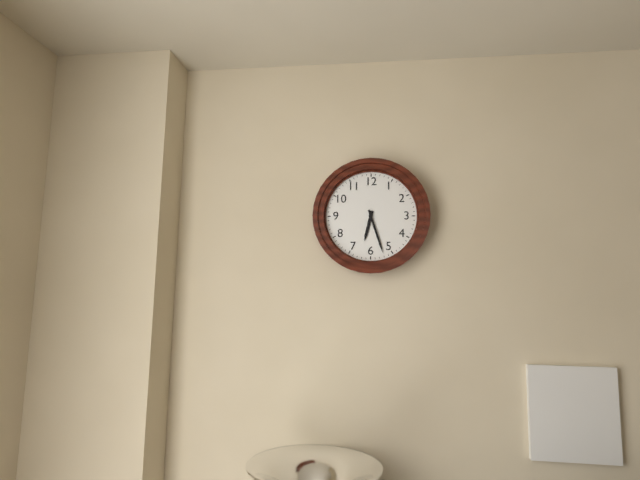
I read {"hour": 6, "minute": 27}
